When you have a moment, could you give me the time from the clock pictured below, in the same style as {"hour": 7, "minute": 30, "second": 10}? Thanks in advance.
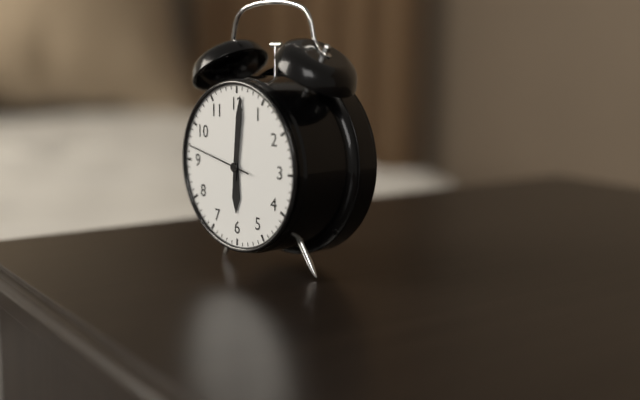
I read {"hour": 6, "minute": 1, "second": 47}
